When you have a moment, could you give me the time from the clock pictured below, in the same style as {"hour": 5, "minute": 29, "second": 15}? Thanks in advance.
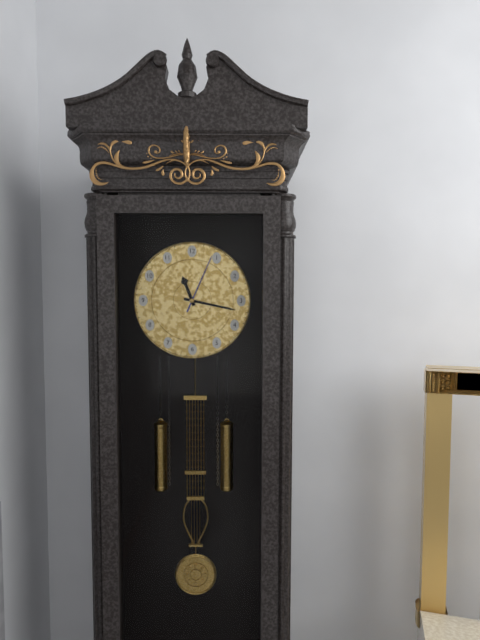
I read {"hour": 11, "minute": 17, "second": 4}
